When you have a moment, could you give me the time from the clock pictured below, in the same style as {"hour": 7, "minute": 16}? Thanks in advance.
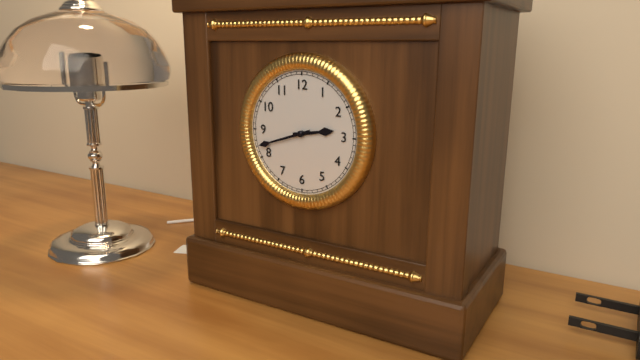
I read {"hour": 2, "minute": 42}
